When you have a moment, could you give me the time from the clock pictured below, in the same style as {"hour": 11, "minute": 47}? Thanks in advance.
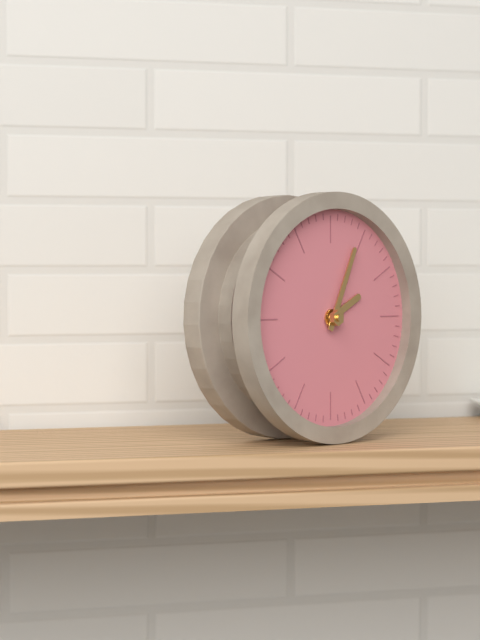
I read {"hour": 2, "minute": 4}
